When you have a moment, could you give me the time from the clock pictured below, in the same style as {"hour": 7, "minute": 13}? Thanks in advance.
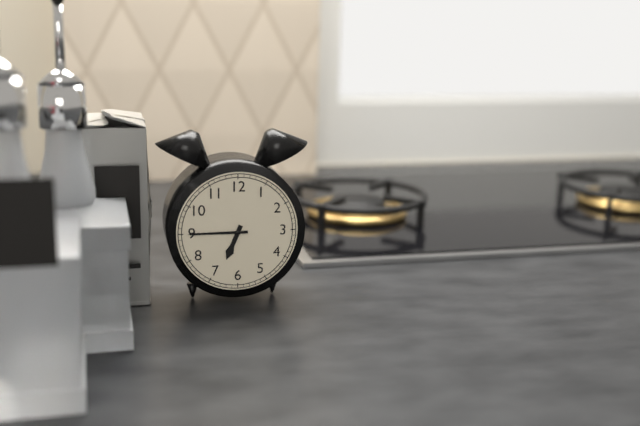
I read {"hour": 6, "minute": 45}
